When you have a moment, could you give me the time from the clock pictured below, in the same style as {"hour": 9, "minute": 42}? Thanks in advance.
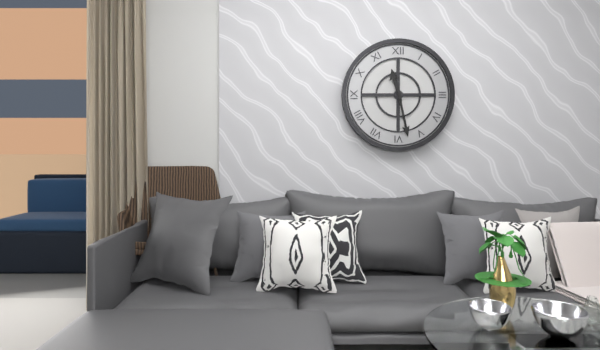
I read {"hour": 11, "minute": 28}
